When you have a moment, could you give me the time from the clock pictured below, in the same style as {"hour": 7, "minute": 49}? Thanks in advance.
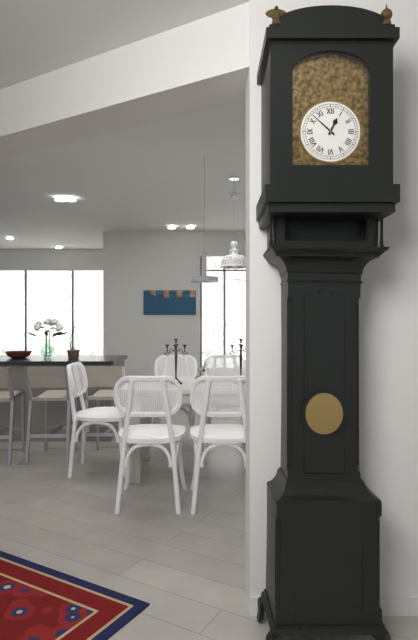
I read {"hour": 12, "minute": 52}
